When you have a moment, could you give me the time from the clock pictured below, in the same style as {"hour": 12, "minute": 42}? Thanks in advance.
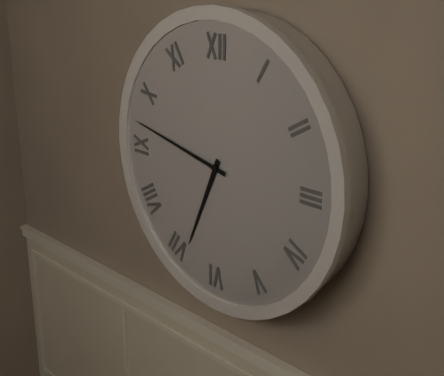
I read {"hour": 6, "minute": 47}
